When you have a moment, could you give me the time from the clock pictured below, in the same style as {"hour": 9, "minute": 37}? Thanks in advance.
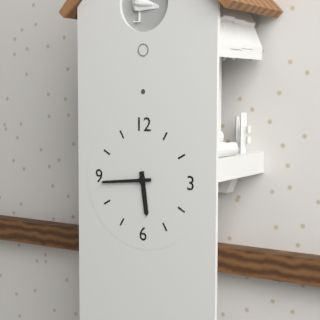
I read {"hour": 5, "minute": 44}
